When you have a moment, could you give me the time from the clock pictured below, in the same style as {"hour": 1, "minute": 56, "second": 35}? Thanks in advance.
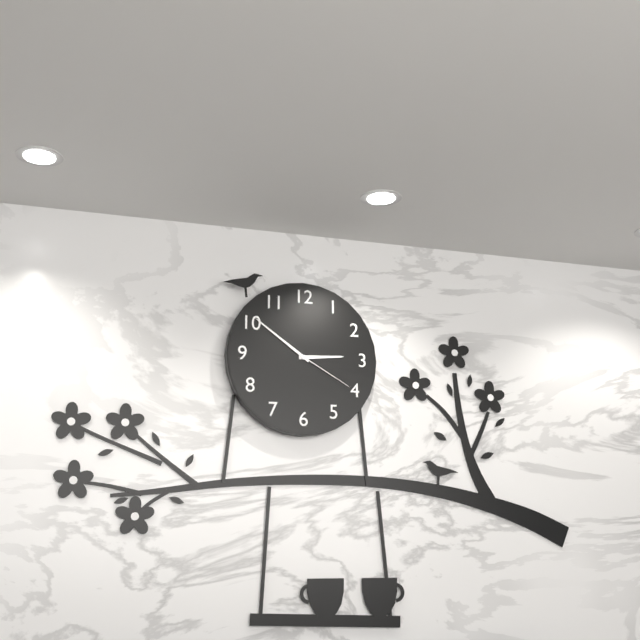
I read {"hour": 2, "minute": 51, "second": 20}
